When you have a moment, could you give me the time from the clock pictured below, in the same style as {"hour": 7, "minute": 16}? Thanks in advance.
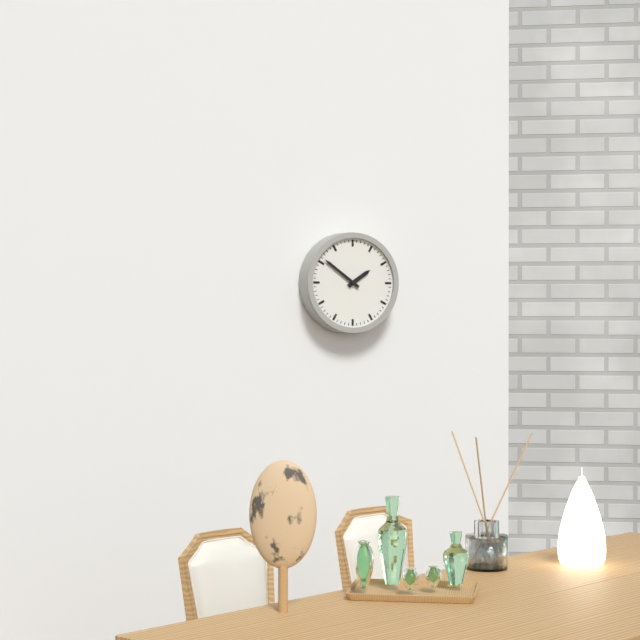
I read {"hour": 1, "minute": 51}
